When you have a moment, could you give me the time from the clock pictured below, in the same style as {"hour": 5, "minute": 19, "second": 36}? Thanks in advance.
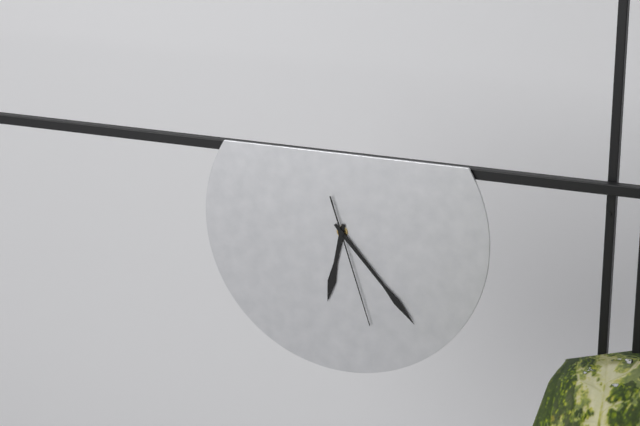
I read {"hour": 6, "minute": 23, "second": 27}
